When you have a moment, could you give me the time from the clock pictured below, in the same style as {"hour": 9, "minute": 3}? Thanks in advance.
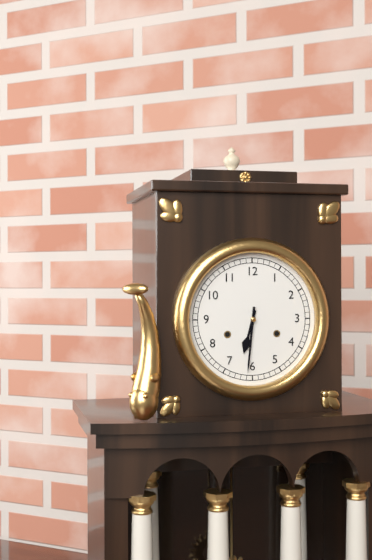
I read {"hour": 6, "minute": 31}
